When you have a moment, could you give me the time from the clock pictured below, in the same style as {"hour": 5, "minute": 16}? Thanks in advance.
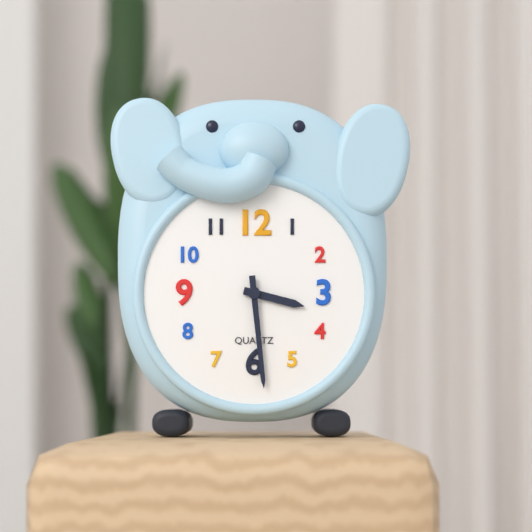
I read {"hour": 3, "minute": 29}
